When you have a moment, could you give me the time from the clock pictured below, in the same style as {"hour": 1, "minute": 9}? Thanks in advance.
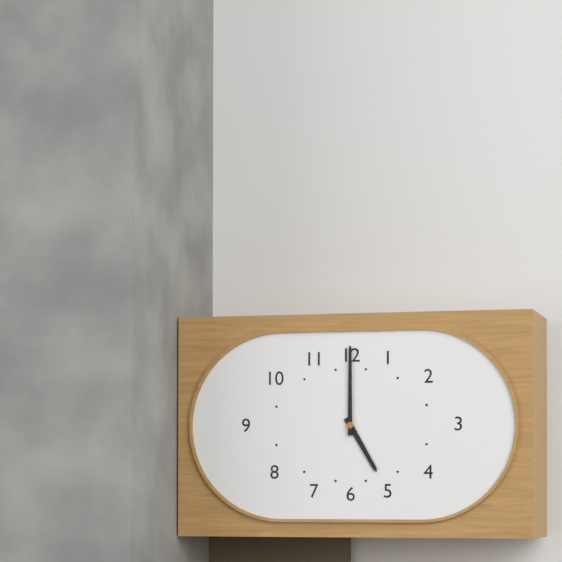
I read {"hour": 5, "minute": 0}
